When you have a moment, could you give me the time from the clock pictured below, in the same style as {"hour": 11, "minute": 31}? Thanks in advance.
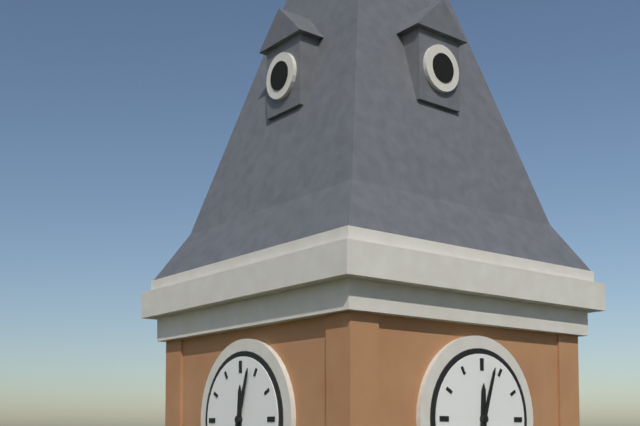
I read {"hour": 12, "minute": 3}
